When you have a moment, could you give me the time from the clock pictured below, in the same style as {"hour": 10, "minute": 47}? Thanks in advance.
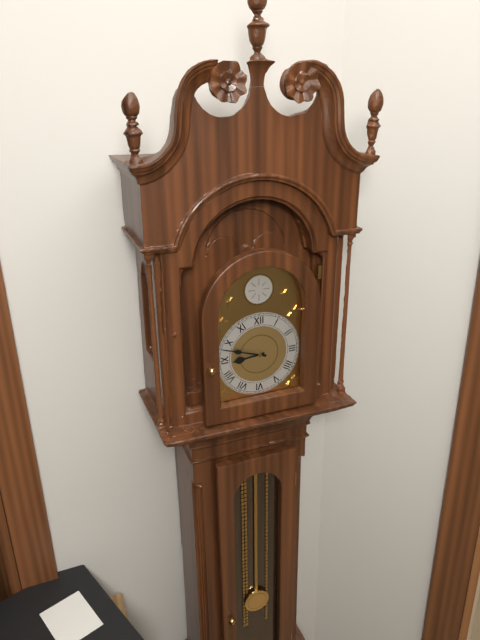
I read {"hour": 8, "minute": 48}
